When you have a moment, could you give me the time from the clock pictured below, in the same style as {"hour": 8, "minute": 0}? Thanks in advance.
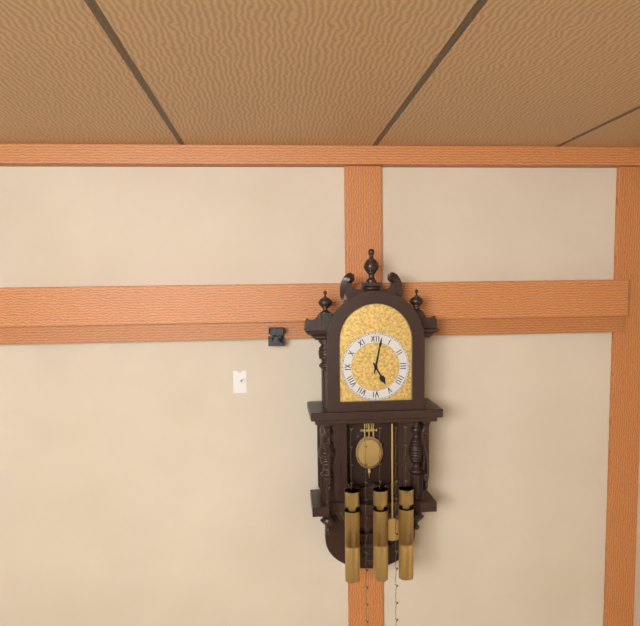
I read {"hour": 5, "minute": 2}
